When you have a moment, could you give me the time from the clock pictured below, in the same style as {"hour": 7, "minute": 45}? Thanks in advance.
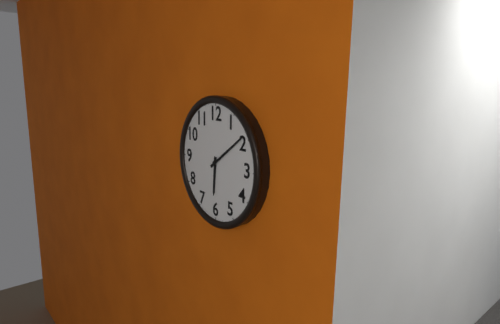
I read {"hour": 6, "minute": 9}
